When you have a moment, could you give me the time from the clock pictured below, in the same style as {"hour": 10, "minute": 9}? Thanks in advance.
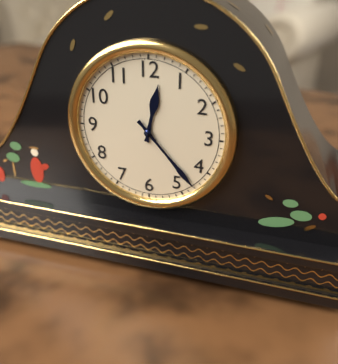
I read {"hour": 12, "minute": 23}
